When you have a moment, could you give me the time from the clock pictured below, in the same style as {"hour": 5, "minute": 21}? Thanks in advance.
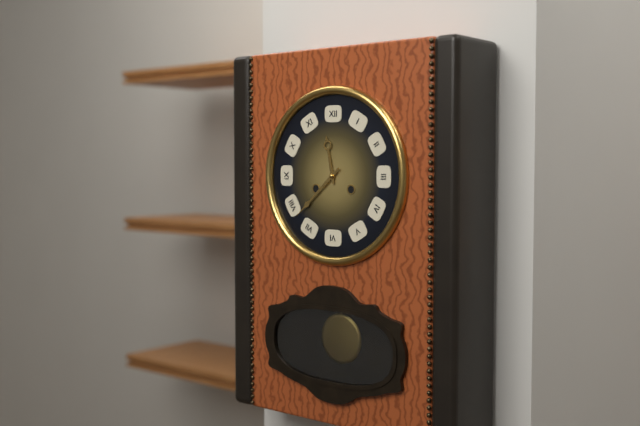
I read {"hour": 11, "minute": 38}
